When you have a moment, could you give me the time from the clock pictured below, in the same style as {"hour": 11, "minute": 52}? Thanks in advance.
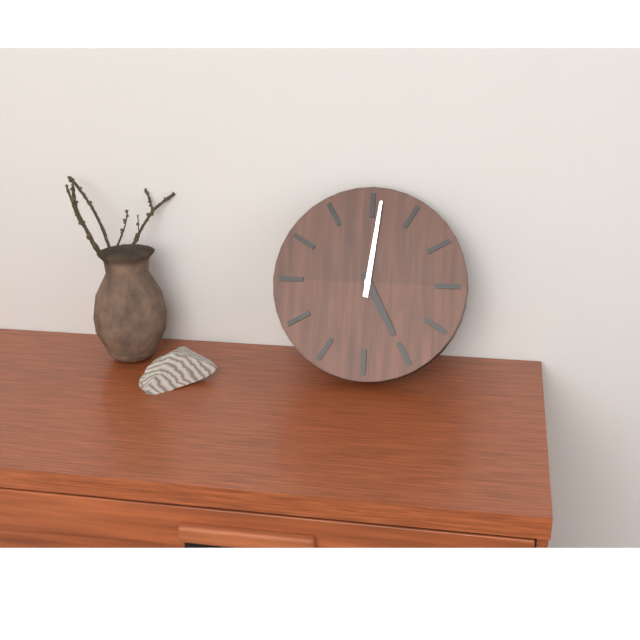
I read {"hour": 5, "minute": 1}
